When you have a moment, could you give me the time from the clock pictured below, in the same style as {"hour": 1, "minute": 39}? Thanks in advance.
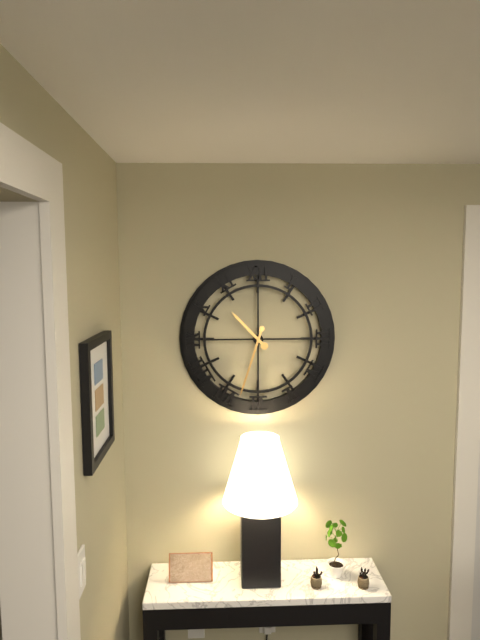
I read {"hour": 10, "minute": 33}
